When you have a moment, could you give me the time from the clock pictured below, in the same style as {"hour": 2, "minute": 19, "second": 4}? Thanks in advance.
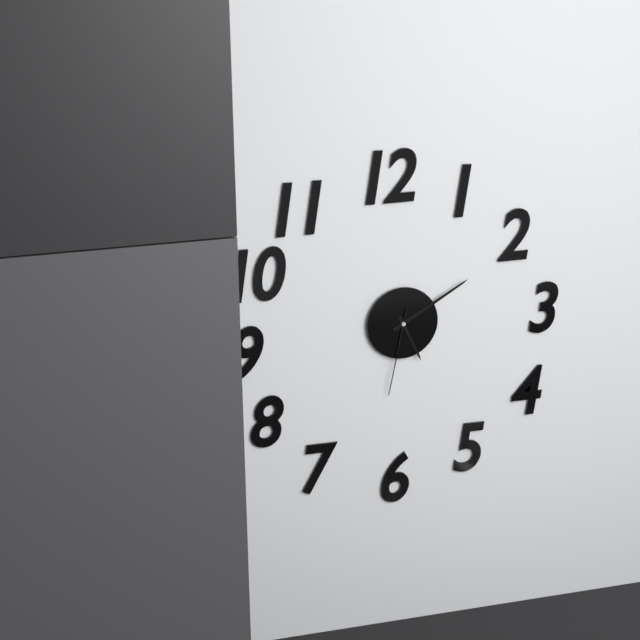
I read {"hour": 5, "minute": 10, "second": 32}
